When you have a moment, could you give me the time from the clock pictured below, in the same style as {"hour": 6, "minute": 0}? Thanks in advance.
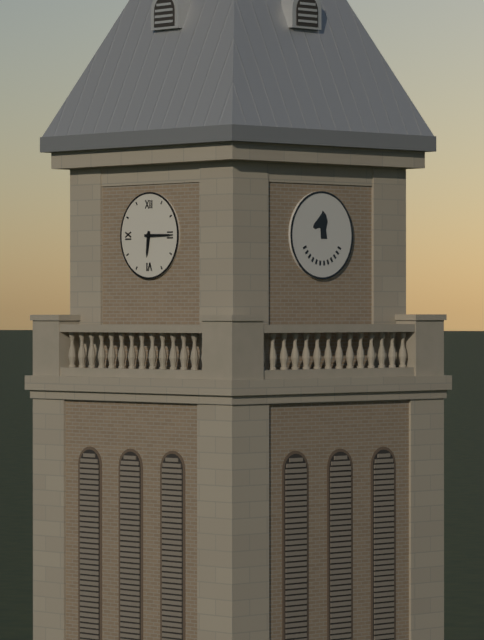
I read {"hour": 6, "minute": 15}
